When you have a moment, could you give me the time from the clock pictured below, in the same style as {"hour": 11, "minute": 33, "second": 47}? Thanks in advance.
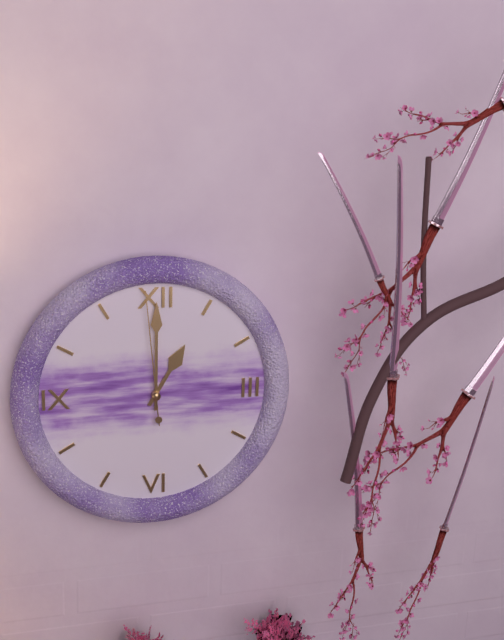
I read {"hour": 1, "minute": 0, "second": 59}
